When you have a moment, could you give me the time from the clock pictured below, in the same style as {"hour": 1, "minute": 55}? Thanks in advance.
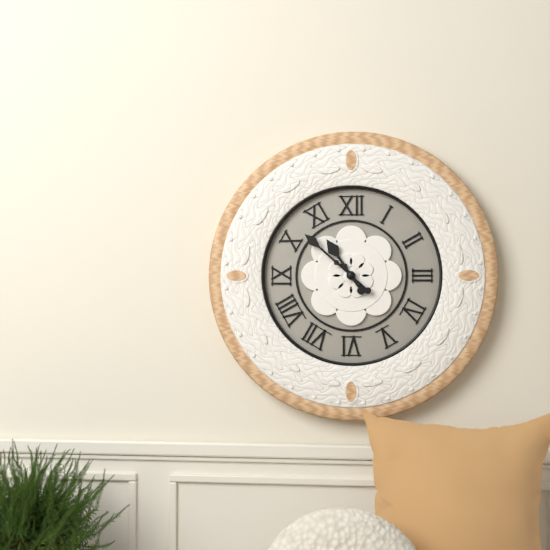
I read {"hour": 10, "minute": 52}
